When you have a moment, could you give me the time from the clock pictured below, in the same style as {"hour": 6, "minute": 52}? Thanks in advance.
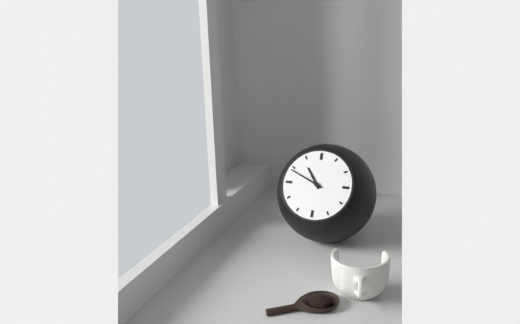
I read {"hour": 10, "minute": 49}
